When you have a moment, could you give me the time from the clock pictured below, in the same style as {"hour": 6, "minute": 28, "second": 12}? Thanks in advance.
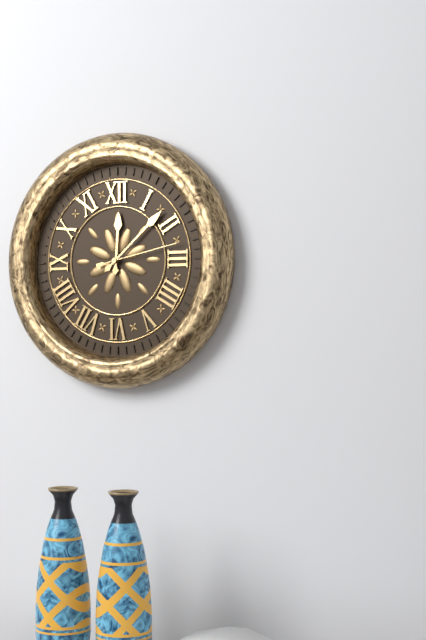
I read {"hour": 12, "minute": 8, "second": 13}
